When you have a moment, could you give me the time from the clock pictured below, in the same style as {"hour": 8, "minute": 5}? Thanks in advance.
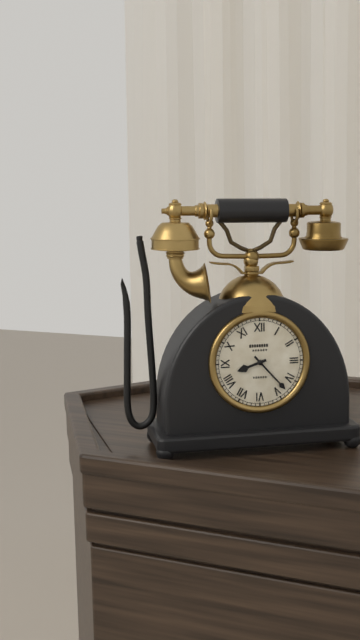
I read {"hour": 8, "minute": 23}
